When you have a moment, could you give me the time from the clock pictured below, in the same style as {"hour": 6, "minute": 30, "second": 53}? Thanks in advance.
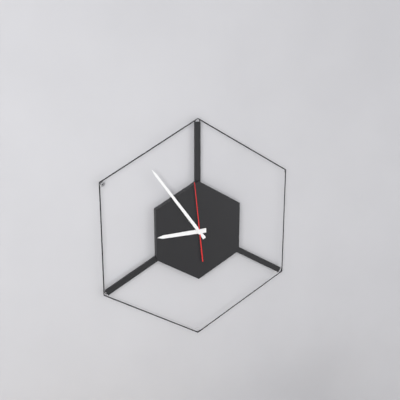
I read {"hour": 8, "minute": 54, "second": 59}
